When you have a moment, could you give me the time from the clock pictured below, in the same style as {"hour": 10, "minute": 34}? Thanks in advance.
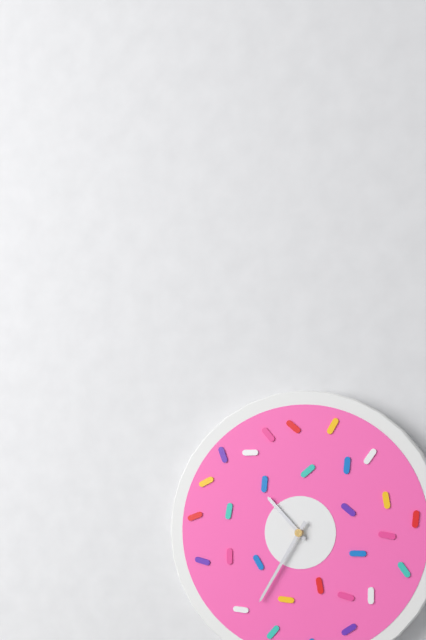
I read {"hour": 10, "minute": 35}
